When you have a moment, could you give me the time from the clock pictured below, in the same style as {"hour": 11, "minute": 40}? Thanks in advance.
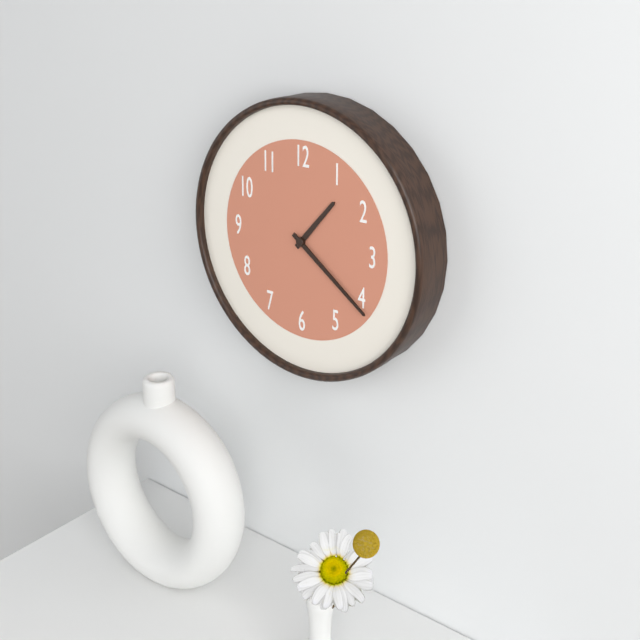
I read {"hour": 1, "minute": 21}
